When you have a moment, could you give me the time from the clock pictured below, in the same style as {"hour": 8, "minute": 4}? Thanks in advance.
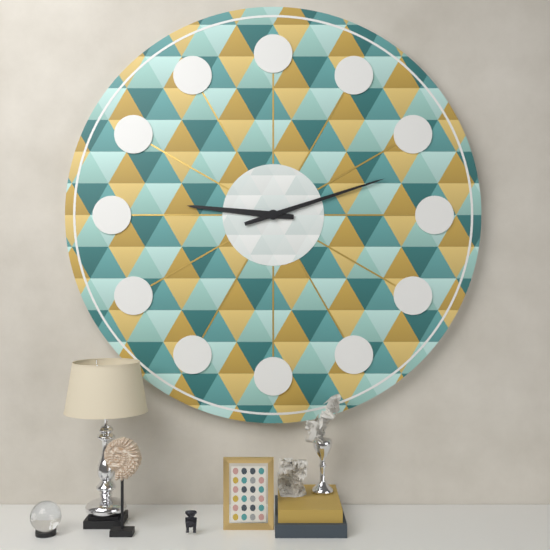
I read {"hour": 9, "minute": 12}
